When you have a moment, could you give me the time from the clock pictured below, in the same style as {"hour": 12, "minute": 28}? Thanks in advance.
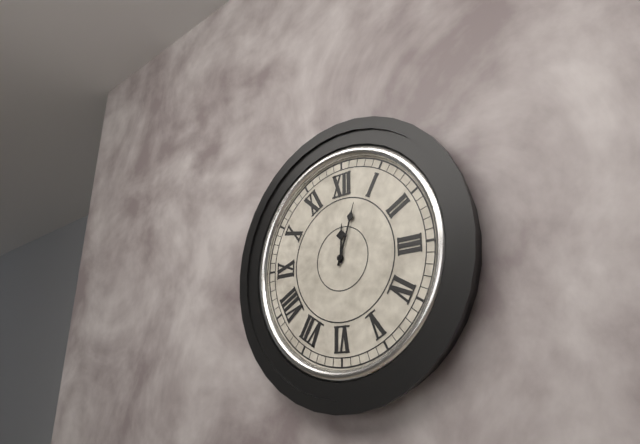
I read {"hour": 12, "minute": 3}
